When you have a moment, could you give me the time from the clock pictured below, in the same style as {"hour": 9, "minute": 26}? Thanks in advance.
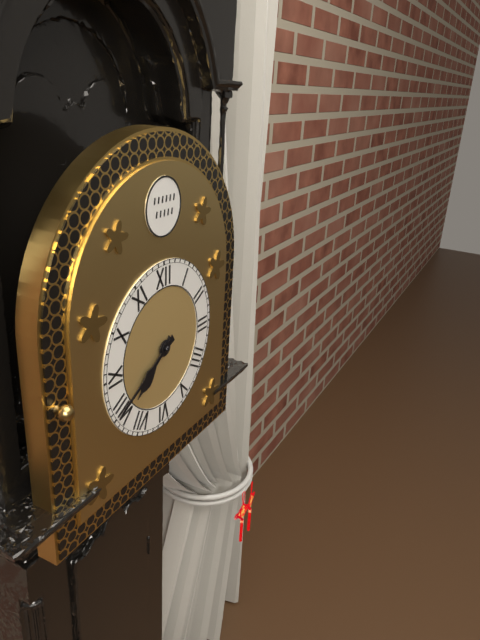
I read {"hour": 7, "minute": 40}
